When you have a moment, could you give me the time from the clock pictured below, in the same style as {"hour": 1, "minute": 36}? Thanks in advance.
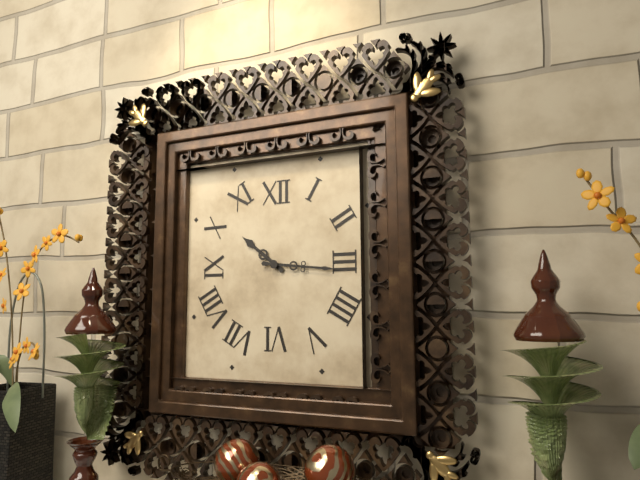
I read {"hour": 10, "minute": 16}
